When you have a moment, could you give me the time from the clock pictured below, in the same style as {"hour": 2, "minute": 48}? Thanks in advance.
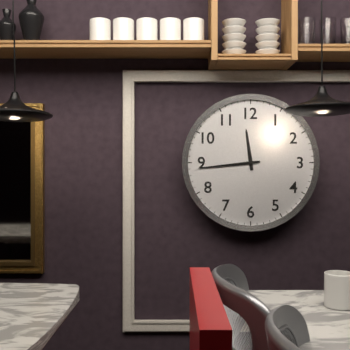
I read {"hour": 11, "minute": 44}
